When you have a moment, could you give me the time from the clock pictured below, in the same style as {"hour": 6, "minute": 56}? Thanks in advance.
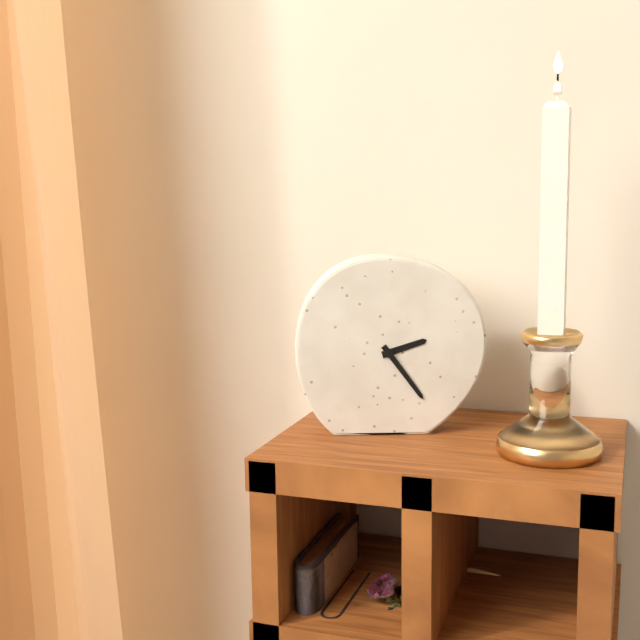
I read {"hour": 2, "minute": 24}
